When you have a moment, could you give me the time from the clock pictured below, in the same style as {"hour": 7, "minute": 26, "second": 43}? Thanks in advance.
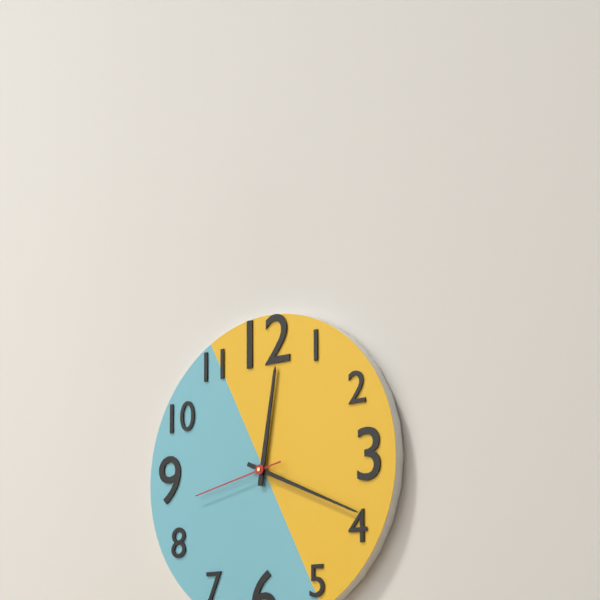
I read {"hour": 12, "minute": 19, "second": 43}
